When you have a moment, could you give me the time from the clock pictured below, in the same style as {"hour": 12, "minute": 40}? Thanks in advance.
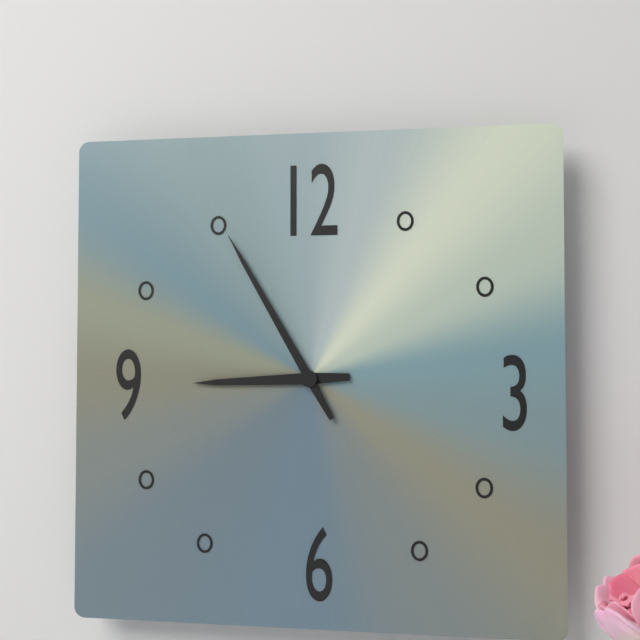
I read {"hour": 8, "minute": 55}
